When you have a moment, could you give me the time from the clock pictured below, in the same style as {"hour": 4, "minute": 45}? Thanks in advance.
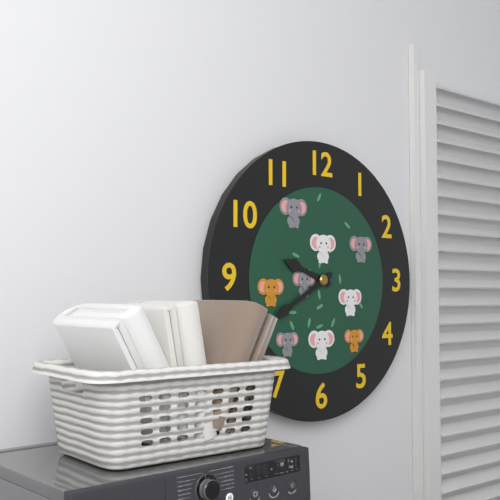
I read {"hour": 9, "minute": 40}
